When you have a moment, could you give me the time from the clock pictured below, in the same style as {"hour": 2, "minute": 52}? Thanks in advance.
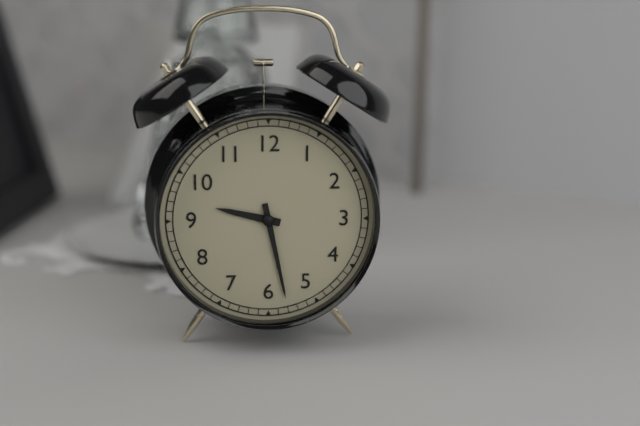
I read {"hour": 9, "minute": 28}
